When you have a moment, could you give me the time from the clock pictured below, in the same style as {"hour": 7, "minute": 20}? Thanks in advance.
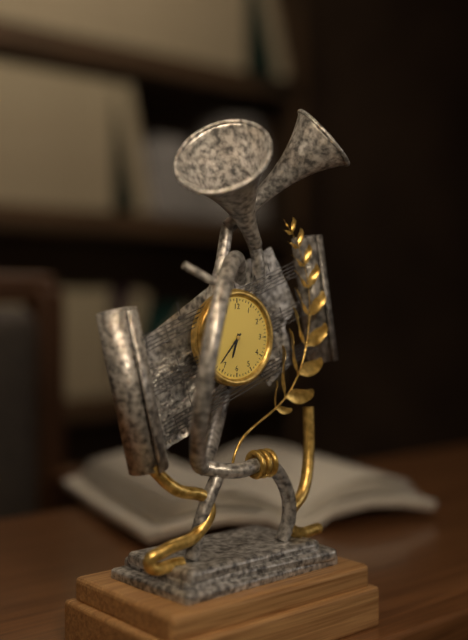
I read {"hour": 6, "minute": 37}
